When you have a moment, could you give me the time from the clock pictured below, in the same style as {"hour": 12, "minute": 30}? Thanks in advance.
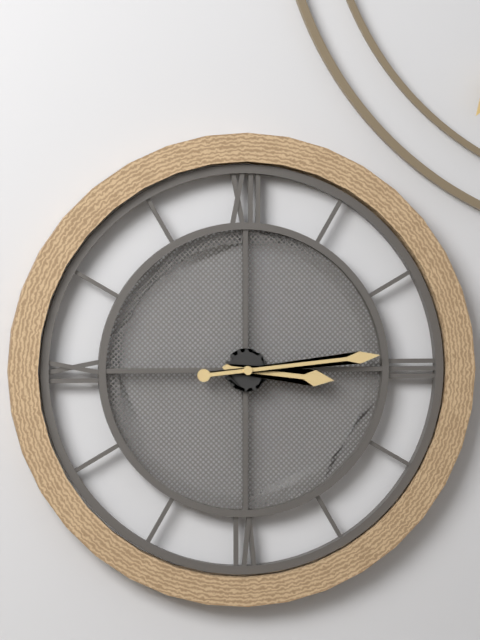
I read {"hour": 3, "minute": 14}
